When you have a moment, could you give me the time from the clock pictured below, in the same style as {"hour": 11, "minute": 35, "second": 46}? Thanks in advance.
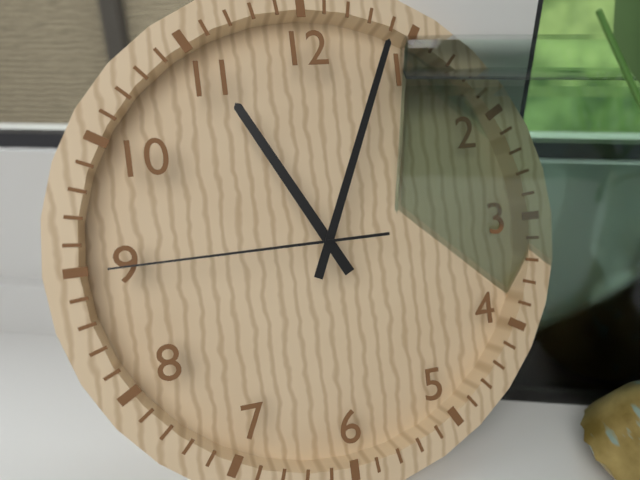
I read {"hour": 11, "minute": 4, "second": 45}
